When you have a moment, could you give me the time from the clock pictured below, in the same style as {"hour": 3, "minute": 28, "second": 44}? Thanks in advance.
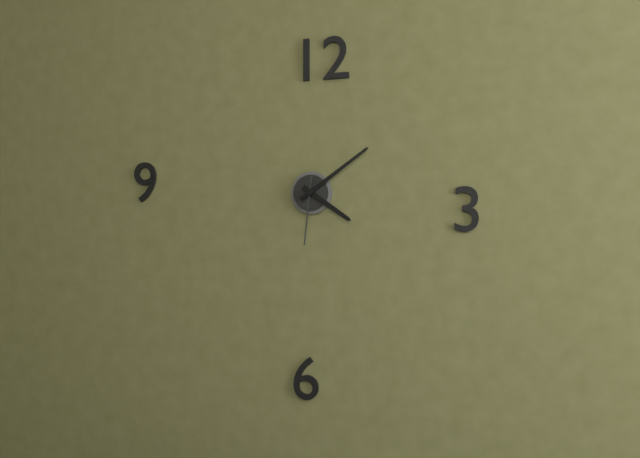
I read {"hour": 4, "minute": 9, "second": 31}
